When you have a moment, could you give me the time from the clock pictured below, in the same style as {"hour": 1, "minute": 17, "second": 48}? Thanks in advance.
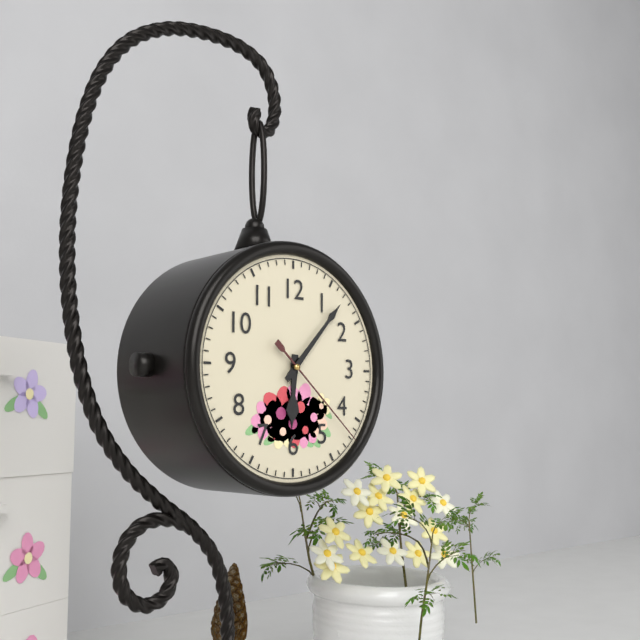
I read {"hour": 6, "minute": 7, "second": 22}
